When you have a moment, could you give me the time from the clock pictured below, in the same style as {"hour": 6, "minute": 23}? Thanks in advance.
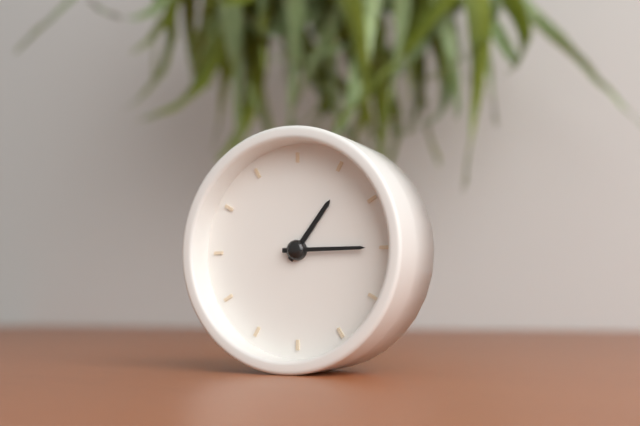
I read {"hour": 1, "minute": 15}
